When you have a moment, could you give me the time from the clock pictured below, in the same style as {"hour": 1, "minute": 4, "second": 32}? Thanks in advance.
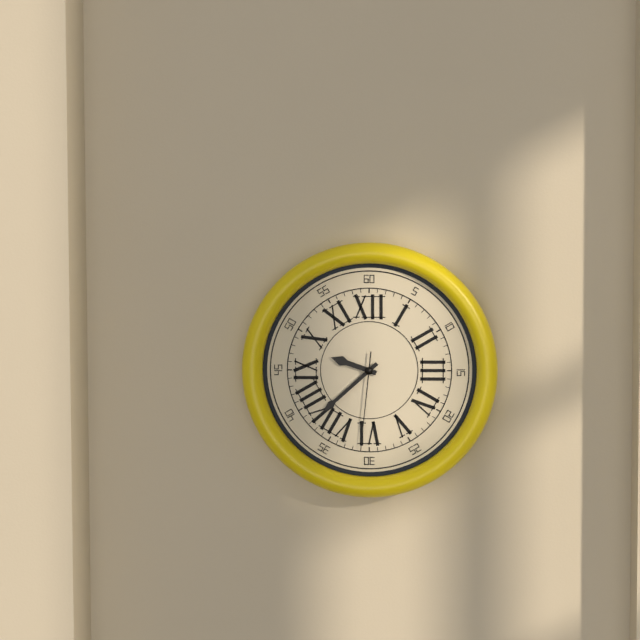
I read {"hour": 9, "minute": 38, "second": 31}
